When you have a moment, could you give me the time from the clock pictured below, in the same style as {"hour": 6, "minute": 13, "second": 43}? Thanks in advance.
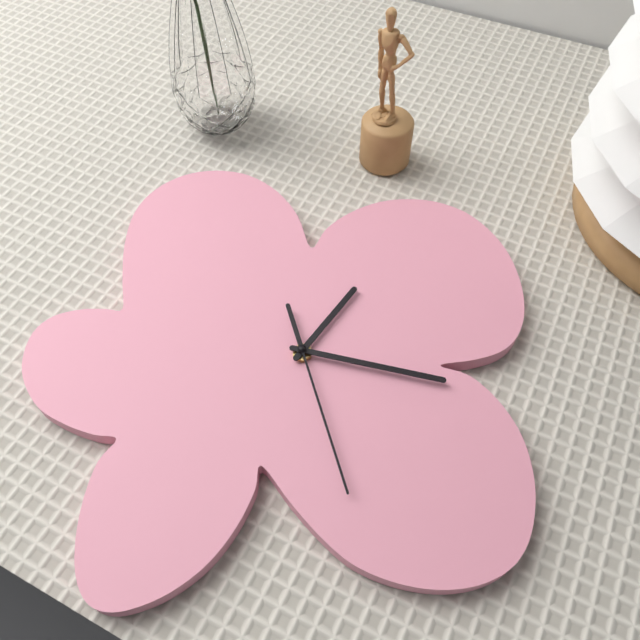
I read {"hour": 1, "minute": 18, "second": 28}
